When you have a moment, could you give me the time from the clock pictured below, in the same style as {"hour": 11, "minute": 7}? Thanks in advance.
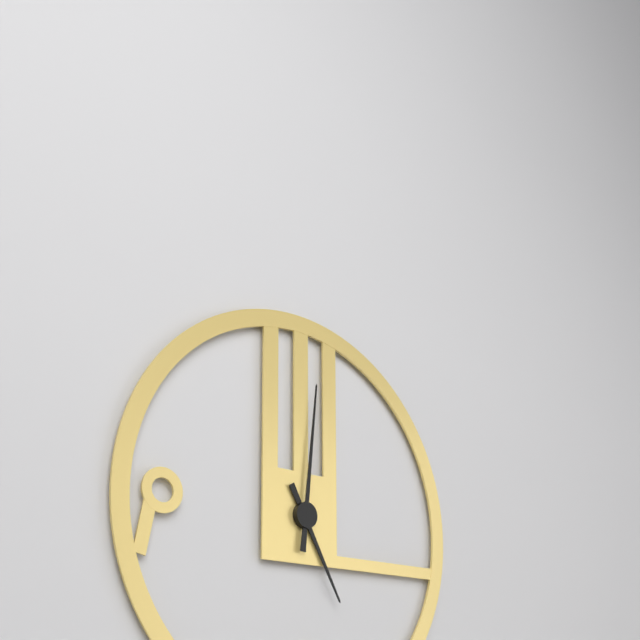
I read {"hour": 5, "minute": 1}
